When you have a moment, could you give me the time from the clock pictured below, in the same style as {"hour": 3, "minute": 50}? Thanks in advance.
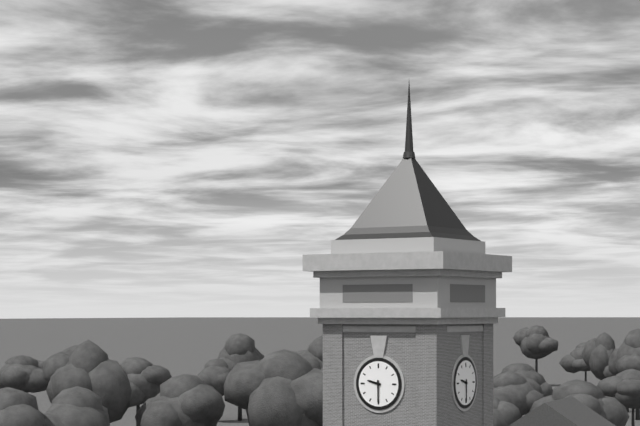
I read {"hour": 9, "minute": 30}
